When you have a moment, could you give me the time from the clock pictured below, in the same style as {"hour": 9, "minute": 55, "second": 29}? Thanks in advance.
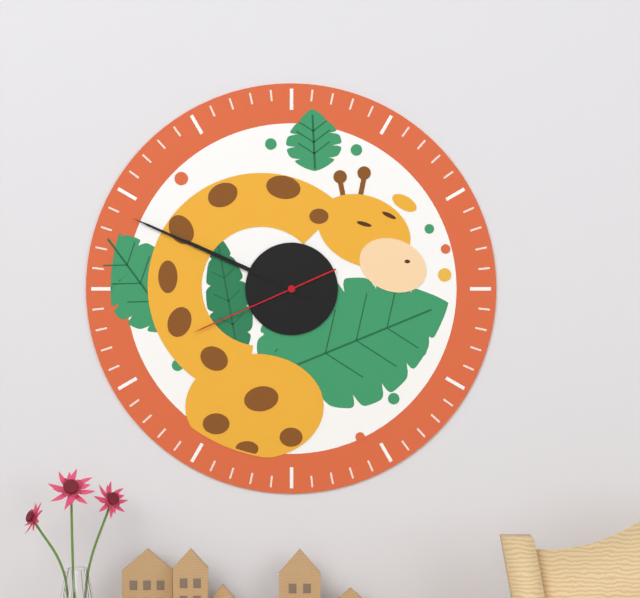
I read {"hour": 9, "minute": 49, "second": 41}
